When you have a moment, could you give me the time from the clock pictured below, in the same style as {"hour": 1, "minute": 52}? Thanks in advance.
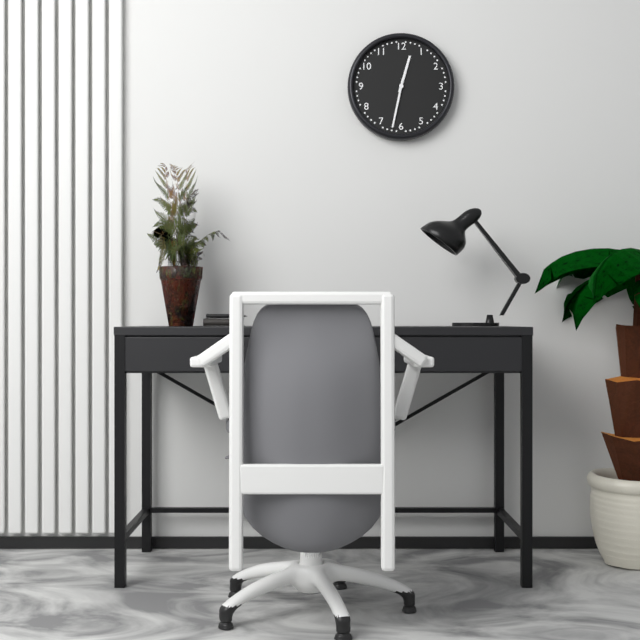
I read {"hour": 12, "minute": 32}
